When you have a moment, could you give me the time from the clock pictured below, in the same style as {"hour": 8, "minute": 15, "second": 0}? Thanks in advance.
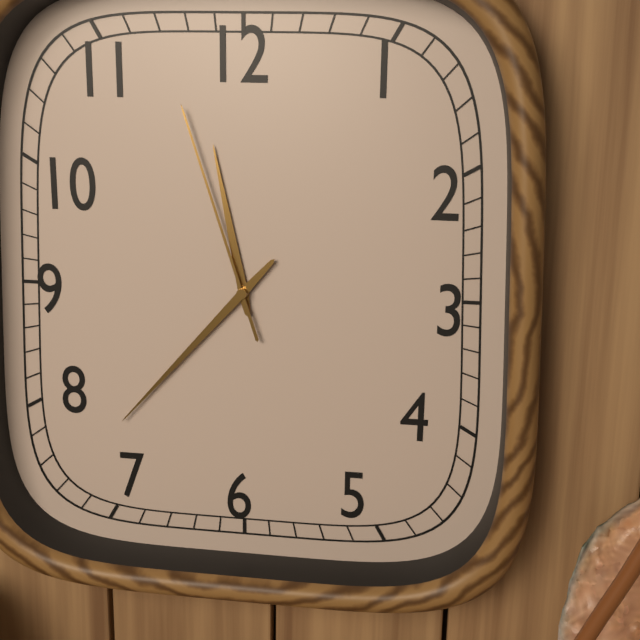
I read {"hour": 11, "minute": 37, "second": 57}
